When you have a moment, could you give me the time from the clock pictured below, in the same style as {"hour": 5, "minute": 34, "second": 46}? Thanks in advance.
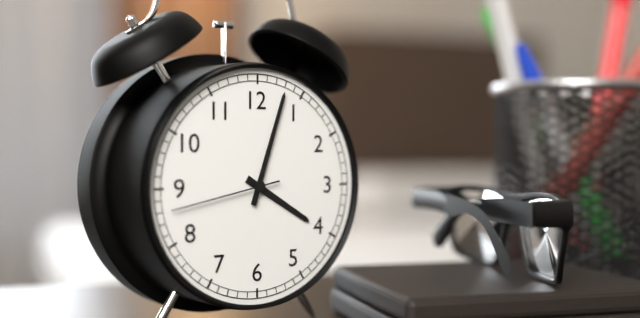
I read {"hour": 4, "minute": 3, "second": 43}
